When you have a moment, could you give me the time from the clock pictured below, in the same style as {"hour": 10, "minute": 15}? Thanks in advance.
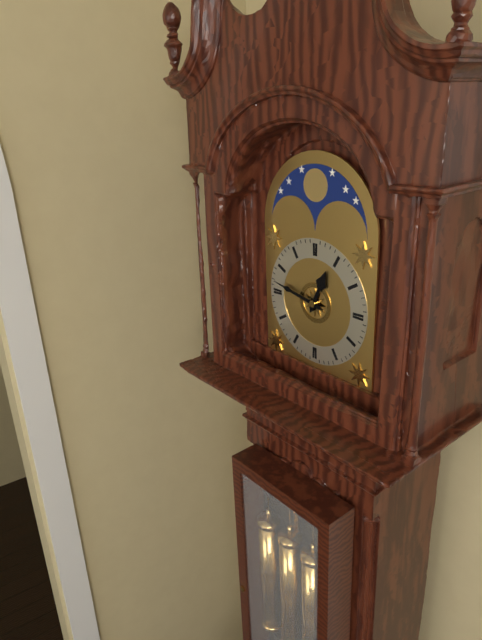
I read {"hour": 12, "minute": 47}
